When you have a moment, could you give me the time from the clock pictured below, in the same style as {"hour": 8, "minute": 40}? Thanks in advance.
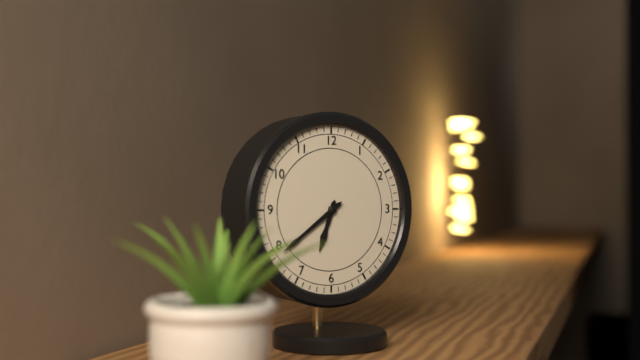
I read {"hour": 6, "minute": 39}
